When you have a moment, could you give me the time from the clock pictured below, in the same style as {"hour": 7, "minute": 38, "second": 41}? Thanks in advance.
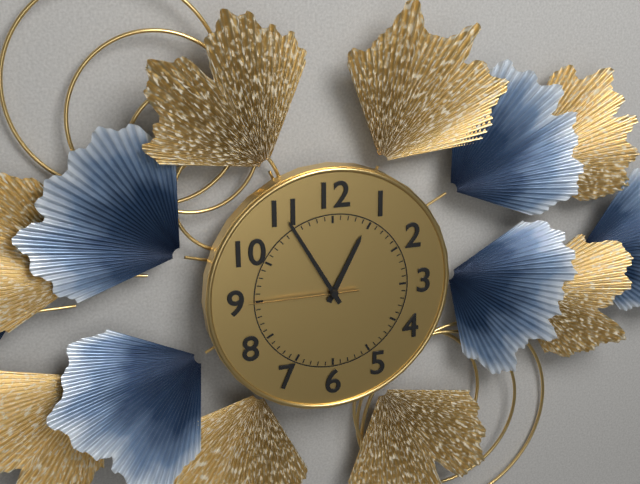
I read {"hour": 12, "minute": 55, "second": 45}
